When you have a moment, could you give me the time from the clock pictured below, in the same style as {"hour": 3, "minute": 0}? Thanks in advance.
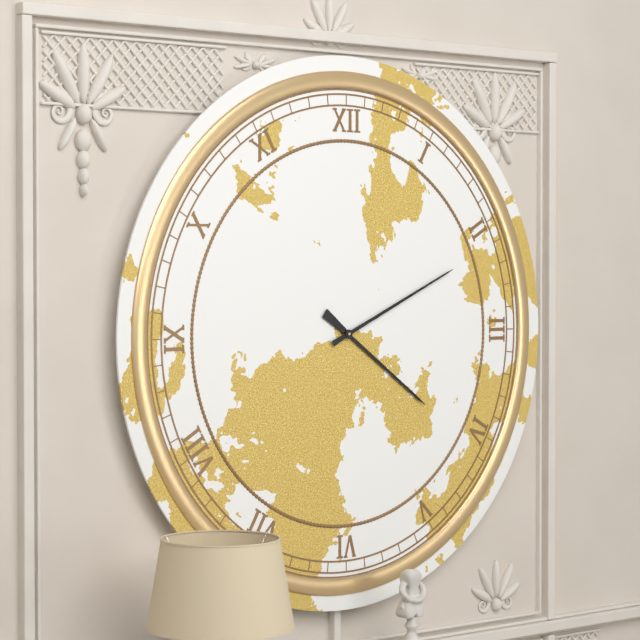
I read {"hour": 4, "minute": 11}
